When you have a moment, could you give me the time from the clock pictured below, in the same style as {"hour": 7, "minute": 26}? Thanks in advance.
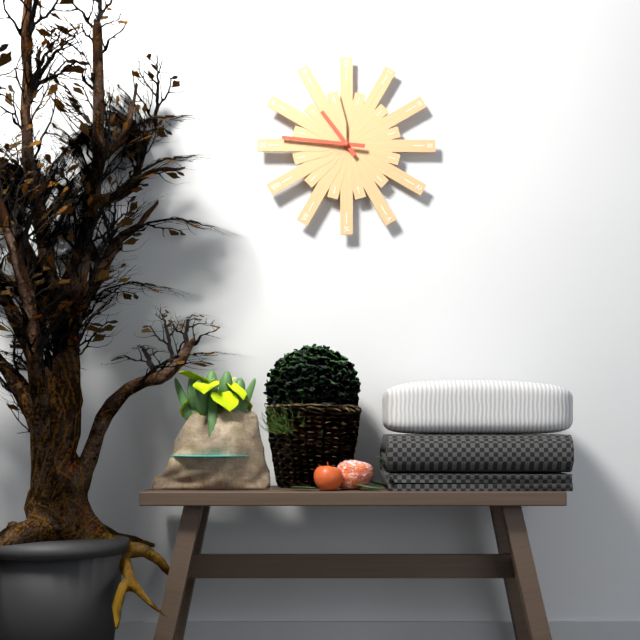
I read {"hour": 10, "minute": 46}
